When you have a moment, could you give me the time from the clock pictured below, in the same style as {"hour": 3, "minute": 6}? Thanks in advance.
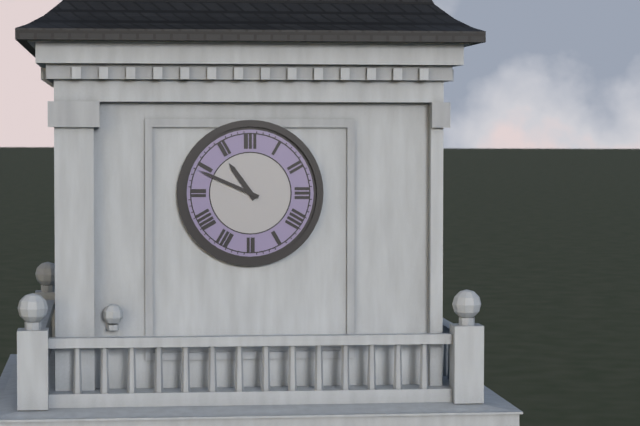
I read {"hour": 10, "minute": 49}
